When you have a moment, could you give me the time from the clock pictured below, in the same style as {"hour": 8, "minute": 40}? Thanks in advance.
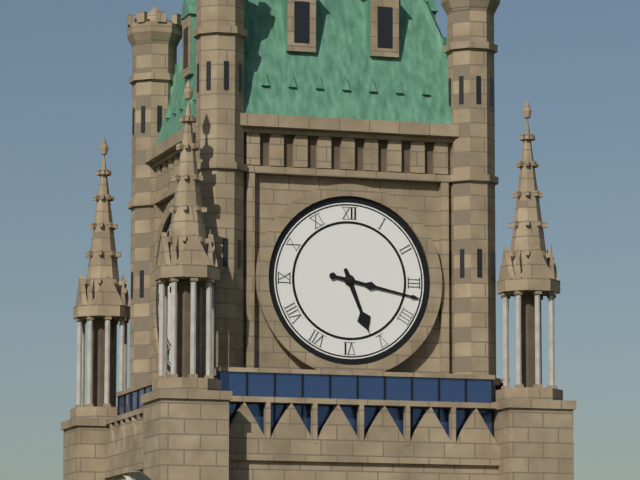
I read {"hour": 5, "minute": 17}
